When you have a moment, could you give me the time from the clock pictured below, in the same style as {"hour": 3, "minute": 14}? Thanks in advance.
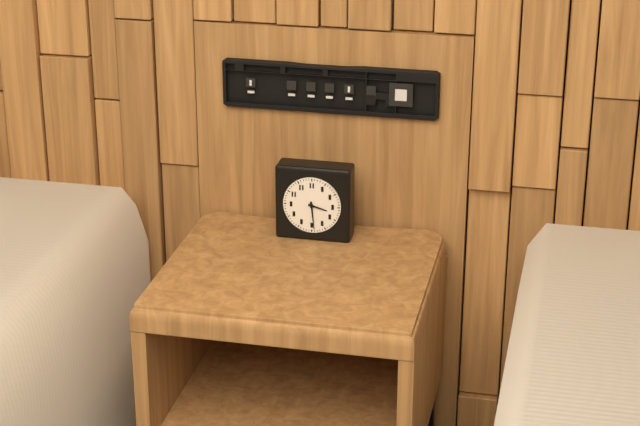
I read {"hour": 3, "minute": 29}
